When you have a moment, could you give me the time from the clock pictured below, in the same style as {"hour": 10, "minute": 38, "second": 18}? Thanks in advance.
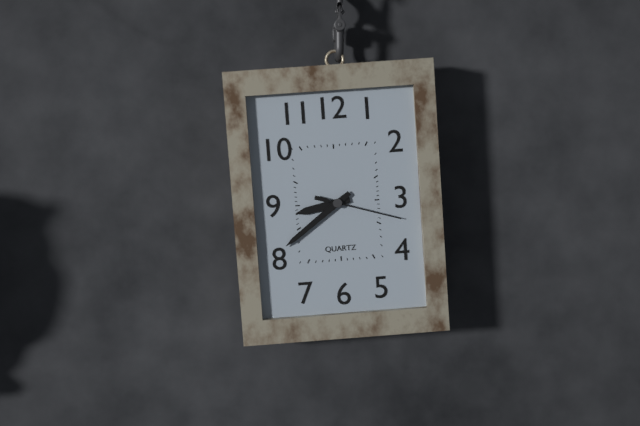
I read {"hour": 8, "minute": 39, "second": 18}
